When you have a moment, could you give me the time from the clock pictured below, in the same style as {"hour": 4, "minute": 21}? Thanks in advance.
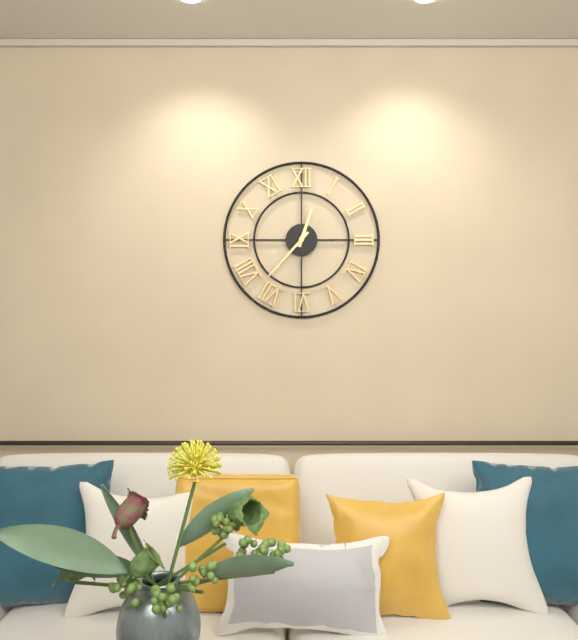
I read {"hour": 12, "minute": 37}
